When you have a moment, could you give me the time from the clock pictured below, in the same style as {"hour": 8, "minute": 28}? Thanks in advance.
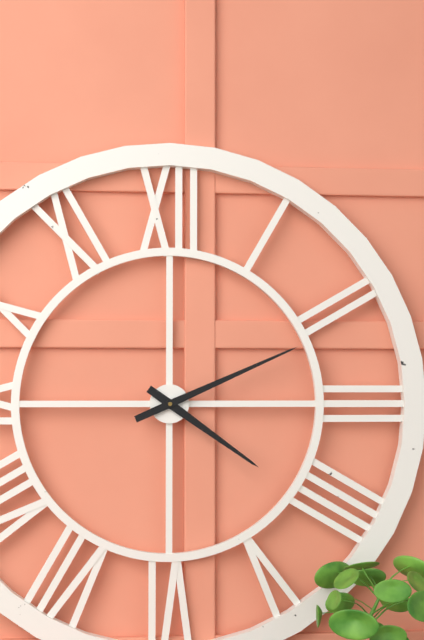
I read {"hour": 4, "minute": 11}
